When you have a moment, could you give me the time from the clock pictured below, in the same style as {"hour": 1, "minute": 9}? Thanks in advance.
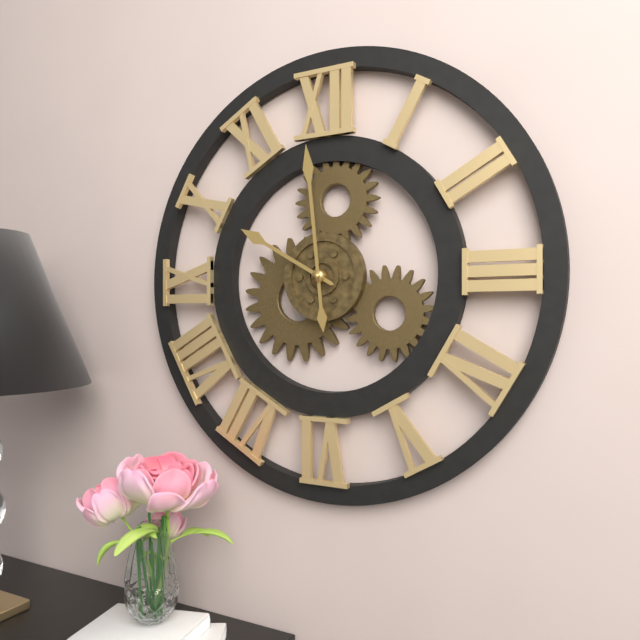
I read {"hour": 9, "minute": 59}
